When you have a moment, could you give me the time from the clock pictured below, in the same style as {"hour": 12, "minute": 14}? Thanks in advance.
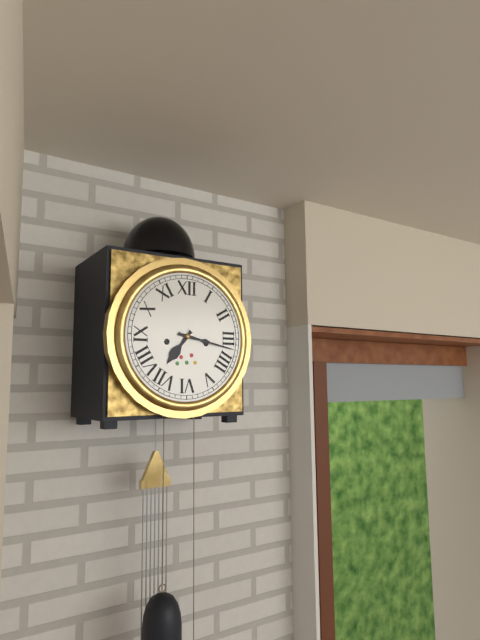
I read {"hour": 7, "minute": 17}
